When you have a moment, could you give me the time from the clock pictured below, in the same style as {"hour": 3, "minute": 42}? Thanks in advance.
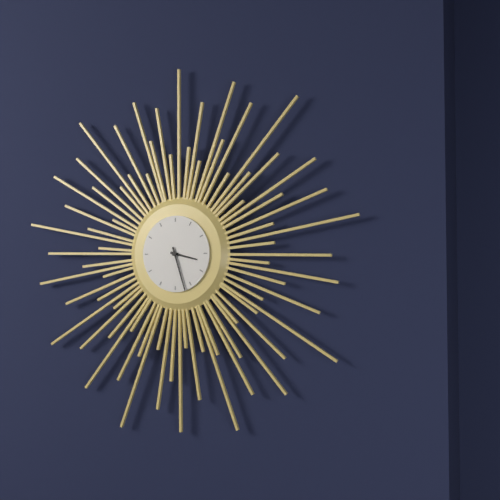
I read {"hour": 3, "minute": 27}
